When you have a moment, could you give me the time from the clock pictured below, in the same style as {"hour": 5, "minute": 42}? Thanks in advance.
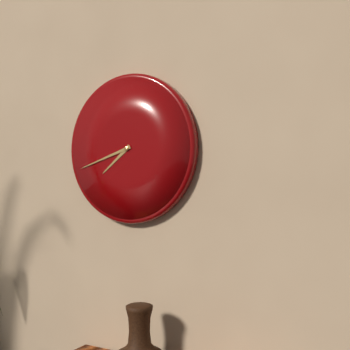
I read {"hour": 7, "minute": 42}
